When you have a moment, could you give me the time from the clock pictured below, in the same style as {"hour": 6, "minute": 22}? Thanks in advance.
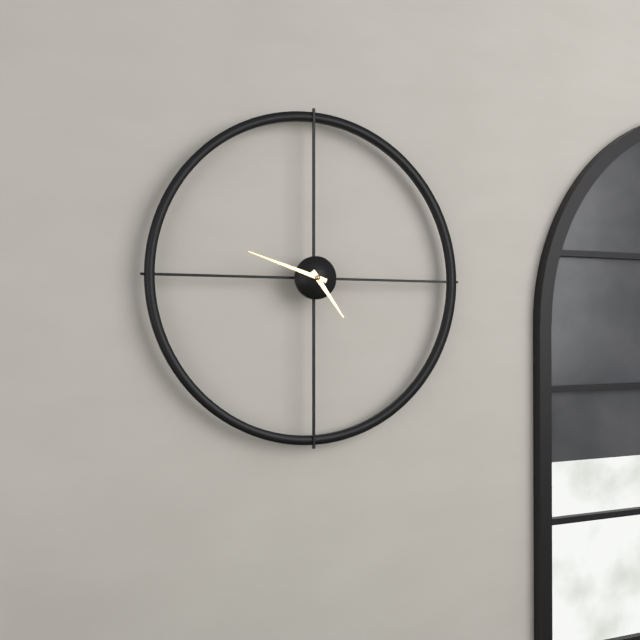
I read {"hour": 4, "minute": 48}
